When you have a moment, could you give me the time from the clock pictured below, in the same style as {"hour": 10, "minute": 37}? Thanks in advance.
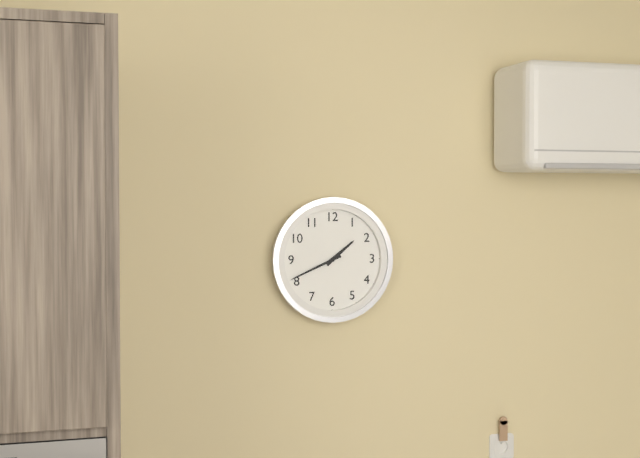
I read {"hour": 1, "minute": 41}
